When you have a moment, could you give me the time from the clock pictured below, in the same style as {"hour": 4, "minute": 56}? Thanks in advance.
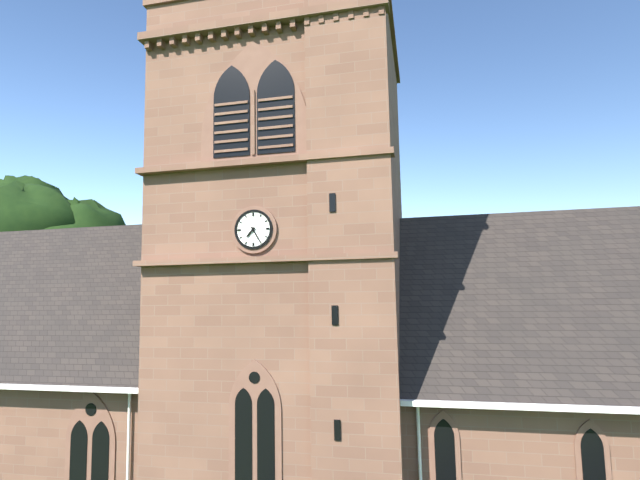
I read {"hour": 7, "minute": 25}
